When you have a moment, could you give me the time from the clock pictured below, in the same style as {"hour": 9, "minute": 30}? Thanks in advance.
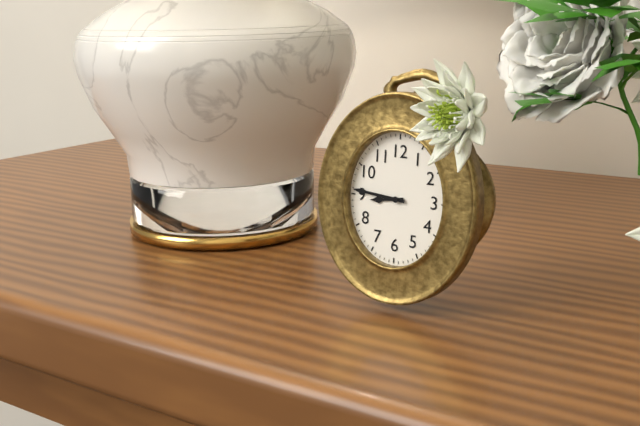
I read {"hour": 8, "minute": 46}
